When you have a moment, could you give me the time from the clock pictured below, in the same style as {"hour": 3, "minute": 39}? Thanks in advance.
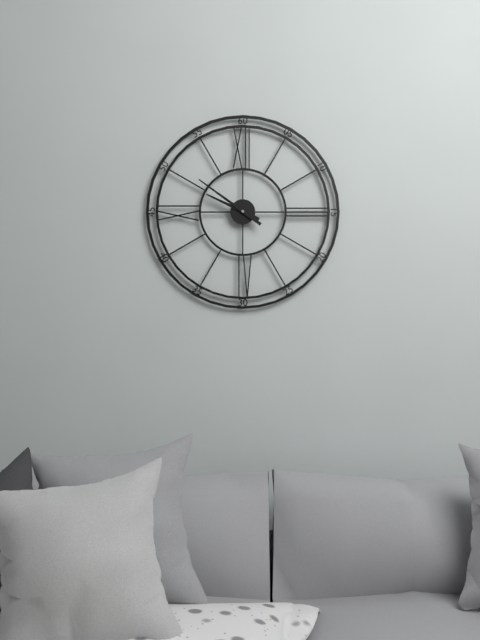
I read {"hour": 9, "minute": 51}
